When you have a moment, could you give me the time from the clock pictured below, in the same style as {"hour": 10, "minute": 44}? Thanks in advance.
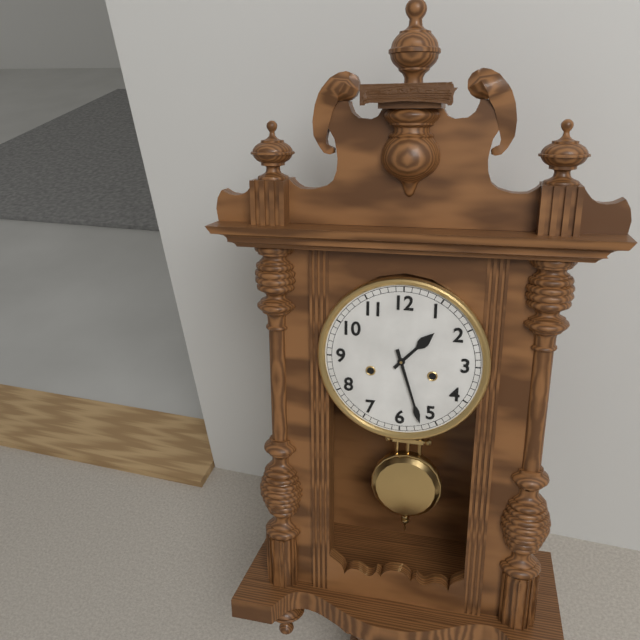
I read {"hour": 1, "minute": 27}
